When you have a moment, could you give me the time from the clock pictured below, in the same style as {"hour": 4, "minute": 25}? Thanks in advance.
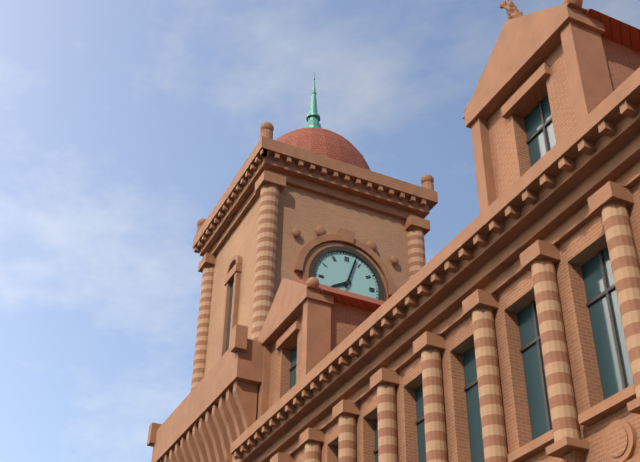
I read {"hour": 8, "minute": 3}
